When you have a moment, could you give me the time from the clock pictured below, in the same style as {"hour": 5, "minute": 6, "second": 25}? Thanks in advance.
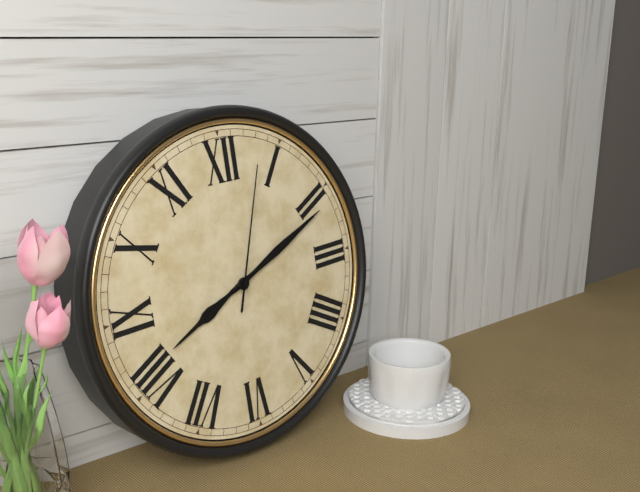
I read {"hour": 8, "minute": 11, "second": 3}
